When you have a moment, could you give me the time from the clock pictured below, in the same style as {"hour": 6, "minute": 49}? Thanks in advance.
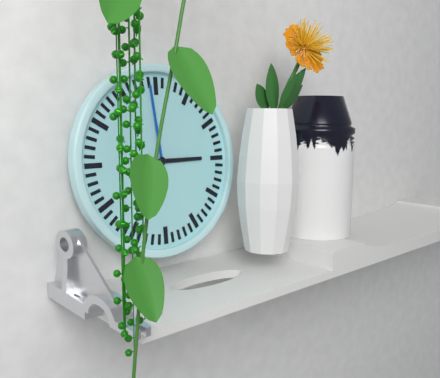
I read {"hour": 2, "minute": 59}
